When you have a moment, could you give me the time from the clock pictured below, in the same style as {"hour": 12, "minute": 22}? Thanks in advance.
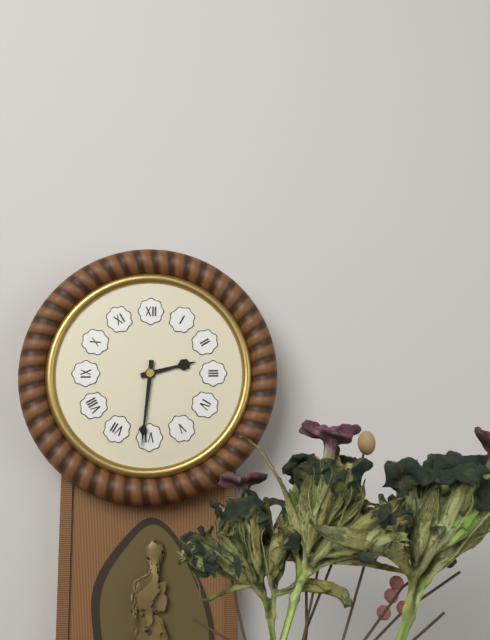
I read {"hour": 2, "minute": 31}
